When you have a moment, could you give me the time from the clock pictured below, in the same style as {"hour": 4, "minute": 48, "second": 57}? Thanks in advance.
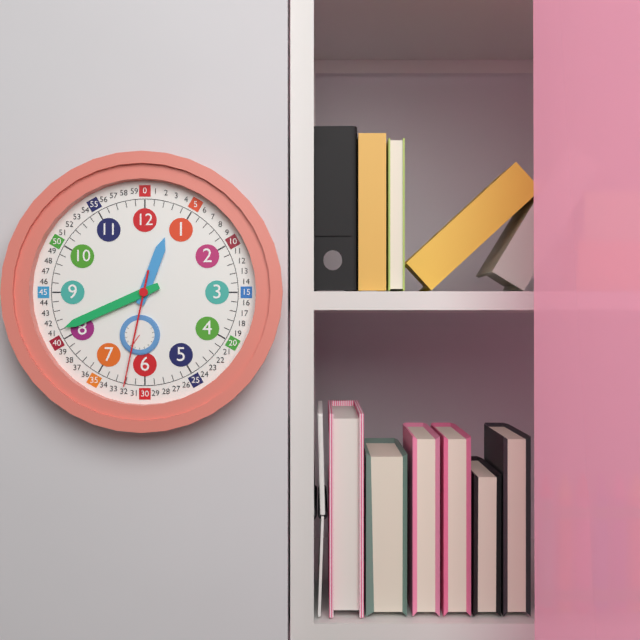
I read {"hour": 12, "minute": 41, "second": 32}
